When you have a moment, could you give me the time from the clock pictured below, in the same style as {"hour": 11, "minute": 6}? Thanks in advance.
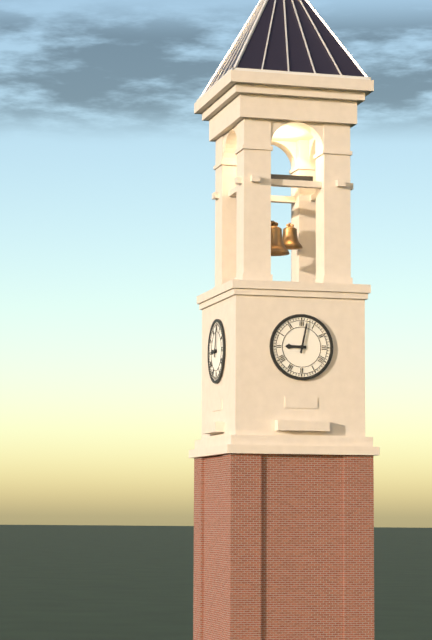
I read {"hour": 9, "minute": 2}
